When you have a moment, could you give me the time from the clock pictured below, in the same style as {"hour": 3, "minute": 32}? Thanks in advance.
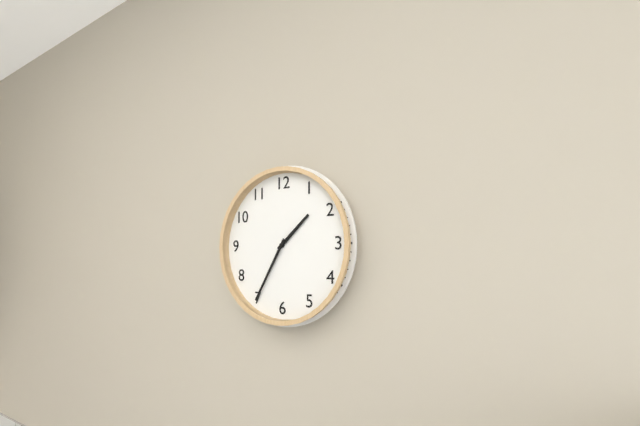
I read {"hour": 1, "minute": 35}
